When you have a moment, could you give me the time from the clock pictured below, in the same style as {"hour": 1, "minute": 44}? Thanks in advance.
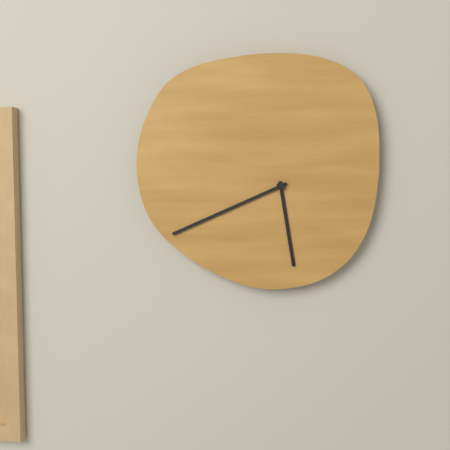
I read {"hour": 5, "minute": 41}
